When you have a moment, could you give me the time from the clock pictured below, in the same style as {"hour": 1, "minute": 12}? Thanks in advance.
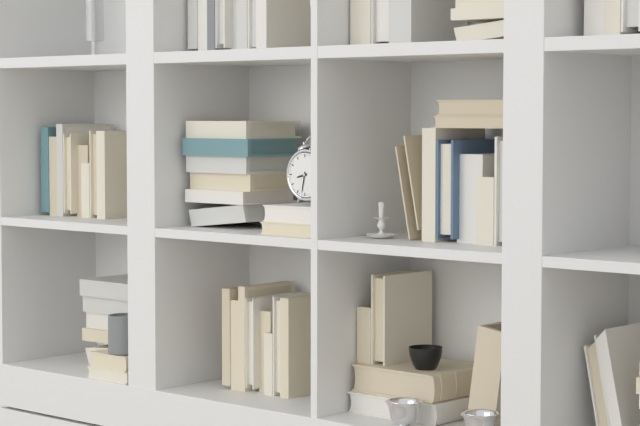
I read {"hour": 8, "minute": 32}
